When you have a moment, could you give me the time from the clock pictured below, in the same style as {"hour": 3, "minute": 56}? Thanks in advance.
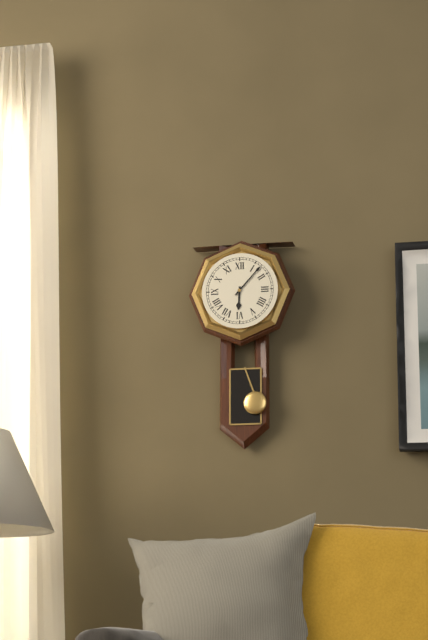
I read {"hour": 6, "minute": 7}
